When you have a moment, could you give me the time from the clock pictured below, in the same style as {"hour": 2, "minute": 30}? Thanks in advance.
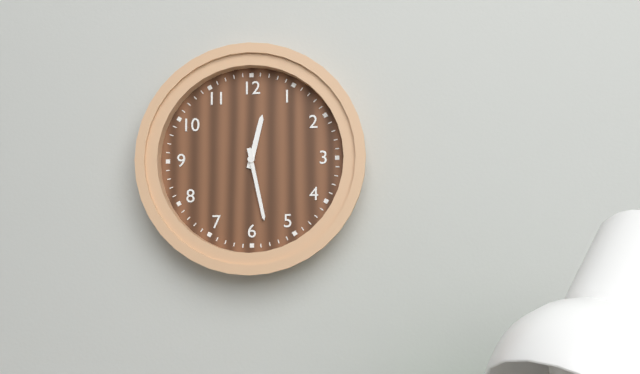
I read {"hour": 12, "minute": 28}
